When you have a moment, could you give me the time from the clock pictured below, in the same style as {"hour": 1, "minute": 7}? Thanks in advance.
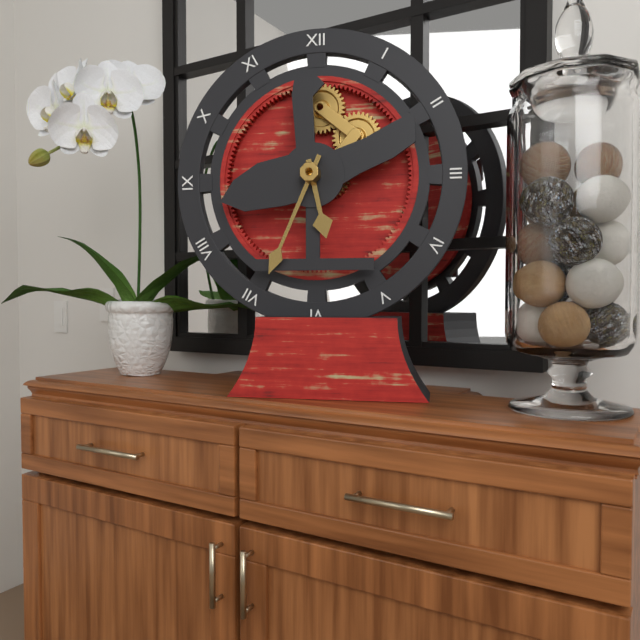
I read {"hour": 5, "minute": 34}
